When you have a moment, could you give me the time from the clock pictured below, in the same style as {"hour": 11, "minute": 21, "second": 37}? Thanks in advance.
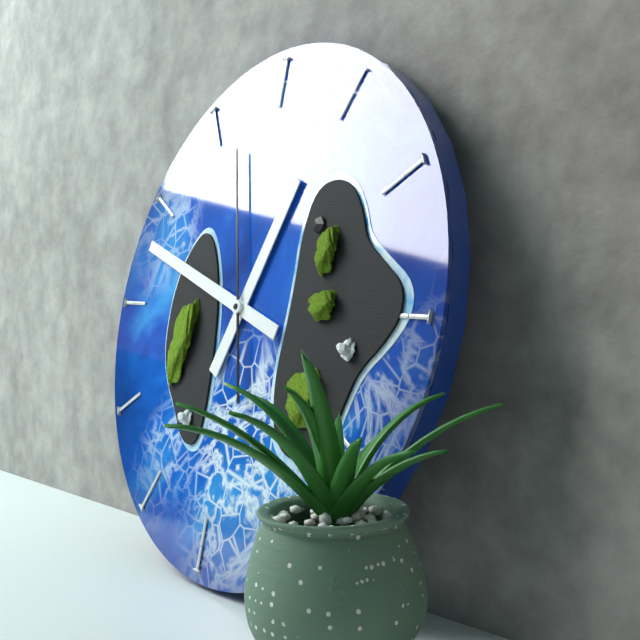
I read {"hour": 12, "minute": 48, "second": 57}
